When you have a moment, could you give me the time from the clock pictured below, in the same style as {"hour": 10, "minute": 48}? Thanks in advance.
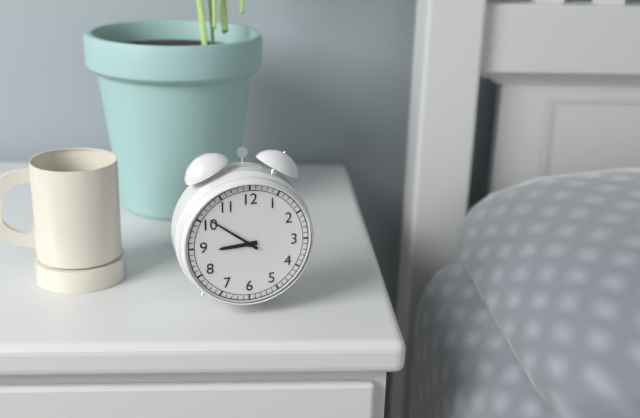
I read {"hour": 8, "minute": 51}
